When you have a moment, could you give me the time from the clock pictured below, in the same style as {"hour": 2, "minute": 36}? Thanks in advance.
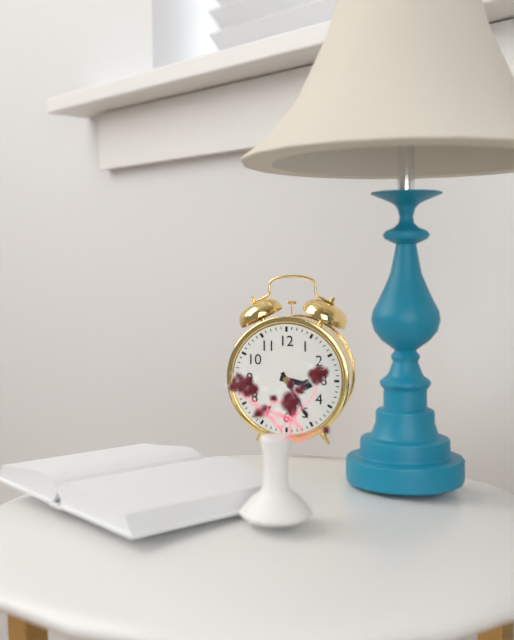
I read {"hour": 3, "minute": 25}
